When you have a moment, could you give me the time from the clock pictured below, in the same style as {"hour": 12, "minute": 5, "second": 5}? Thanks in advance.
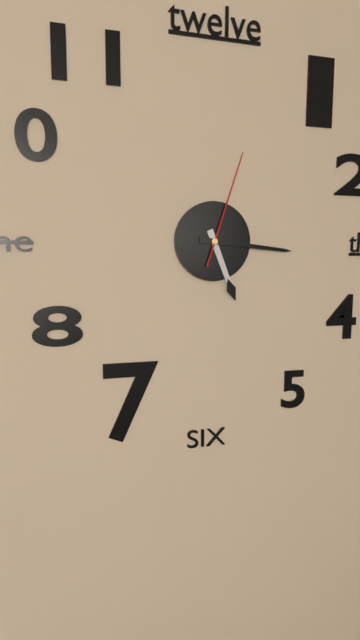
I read {"hour": 5, "minute": 16, "second": 3}
